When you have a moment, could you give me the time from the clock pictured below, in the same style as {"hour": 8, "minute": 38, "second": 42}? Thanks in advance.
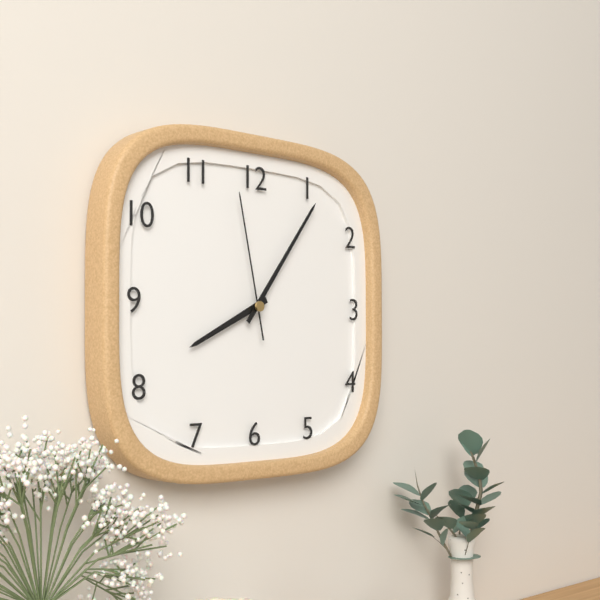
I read {"hour": 8, "minute": 6, "second": 58}
